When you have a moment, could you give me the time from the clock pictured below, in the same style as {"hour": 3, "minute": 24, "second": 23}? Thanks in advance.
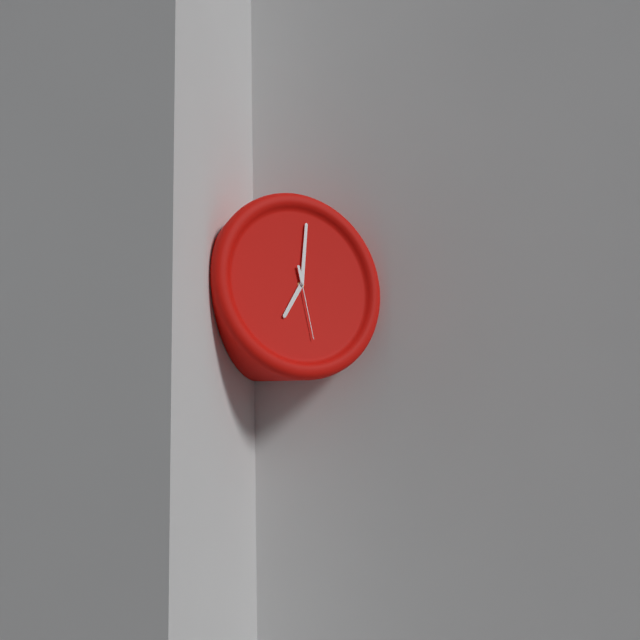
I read {"hour": 7, "minute": 1, "second": 28}
